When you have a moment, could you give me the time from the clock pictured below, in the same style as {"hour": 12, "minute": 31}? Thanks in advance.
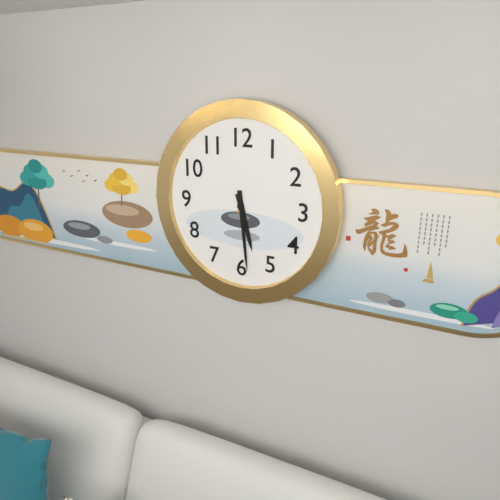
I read {"hour": 5, "minute": 29}
